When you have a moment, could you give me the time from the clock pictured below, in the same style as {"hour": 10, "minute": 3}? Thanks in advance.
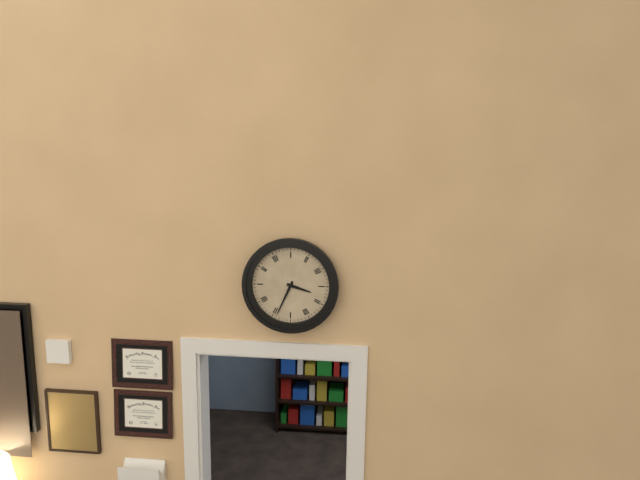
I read {"hour": 3, "minute": 34}
